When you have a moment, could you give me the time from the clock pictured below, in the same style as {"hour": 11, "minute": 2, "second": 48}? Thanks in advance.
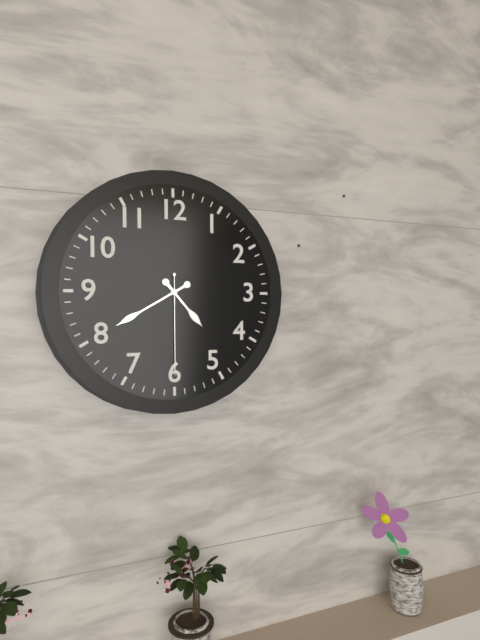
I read {"hour": 4, "minute": 40, "second": 30}
